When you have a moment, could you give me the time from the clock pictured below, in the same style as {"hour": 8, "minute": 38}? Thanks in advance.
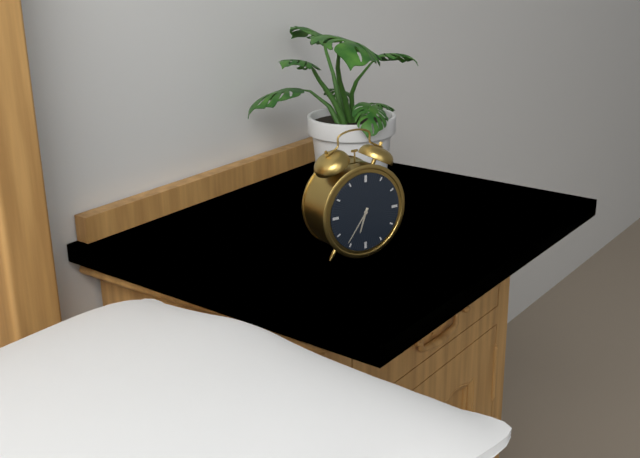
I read {"hour": 6, "minute": 36}
